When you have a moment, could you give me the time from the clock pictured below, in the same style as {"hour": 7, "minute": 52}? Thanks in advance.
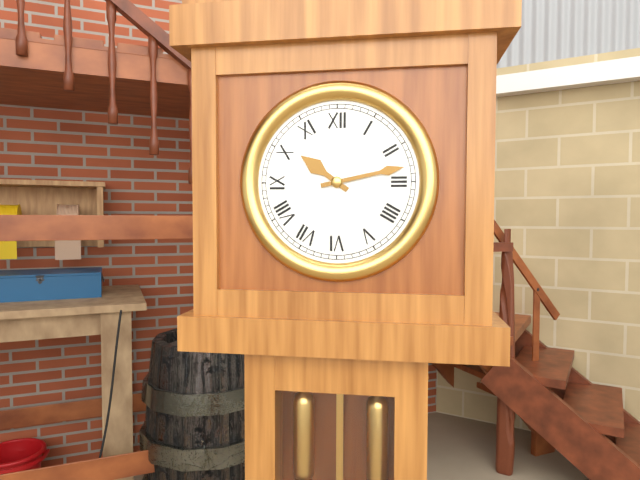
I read {"hour": 10, "minute": 13}
